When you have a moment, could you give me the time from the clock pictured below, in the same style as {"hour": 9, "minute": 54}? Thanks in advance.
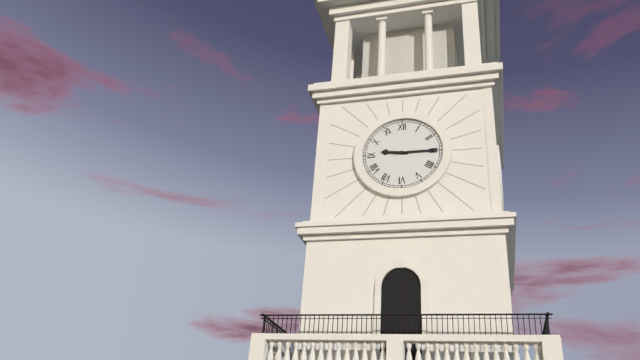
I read {"hour": 9, "minute": 15}
